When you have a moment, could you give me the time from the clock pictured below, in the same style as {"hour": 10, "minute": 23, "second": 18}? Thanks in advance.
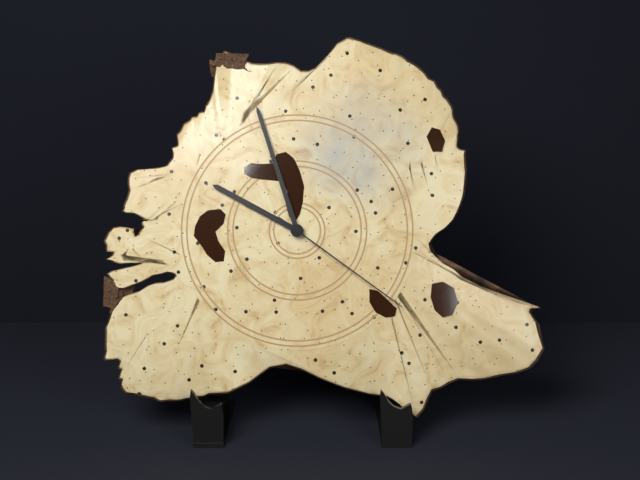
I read {"hour": 9, "minute": 57, "second": 21}
